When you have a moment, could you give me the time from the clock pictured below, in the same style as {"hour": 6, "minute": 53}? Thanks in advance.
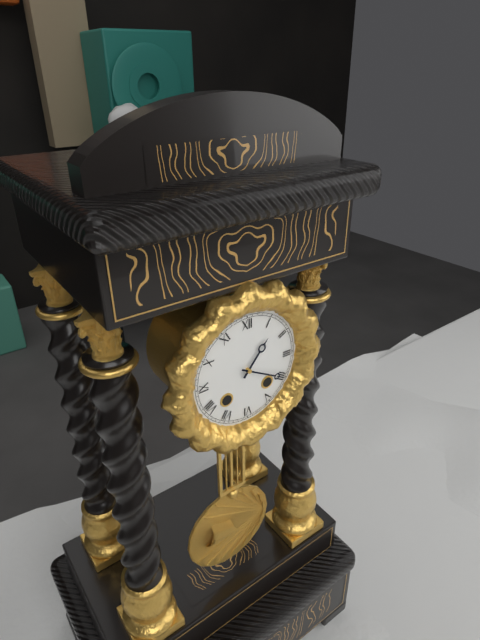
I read {"hour": 1, "minute": 20}
